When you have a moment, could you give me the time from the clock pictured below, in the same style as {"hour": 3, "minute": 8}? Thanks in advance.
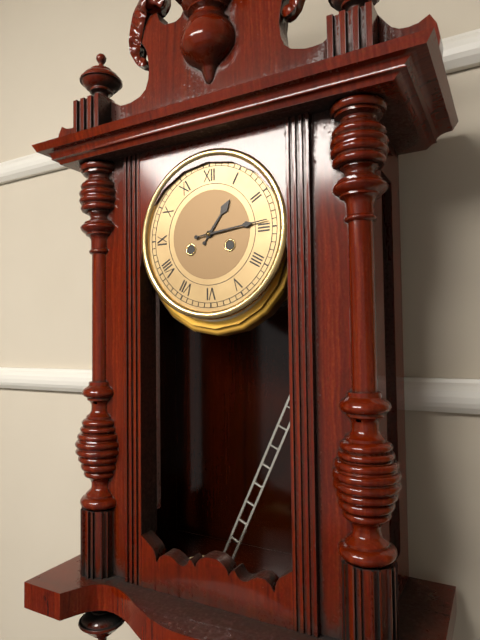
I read {"hour": 1, "minute": 14}
